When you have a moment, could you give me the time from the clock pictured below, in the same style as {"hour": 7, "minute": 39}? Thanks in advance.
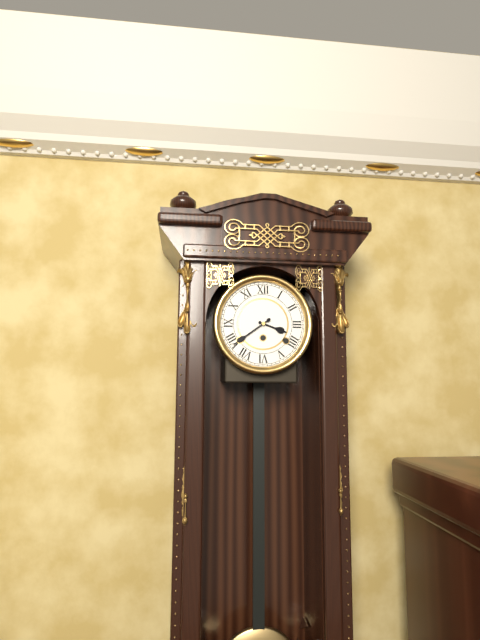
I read {"hour": 3, "minute": 39}
